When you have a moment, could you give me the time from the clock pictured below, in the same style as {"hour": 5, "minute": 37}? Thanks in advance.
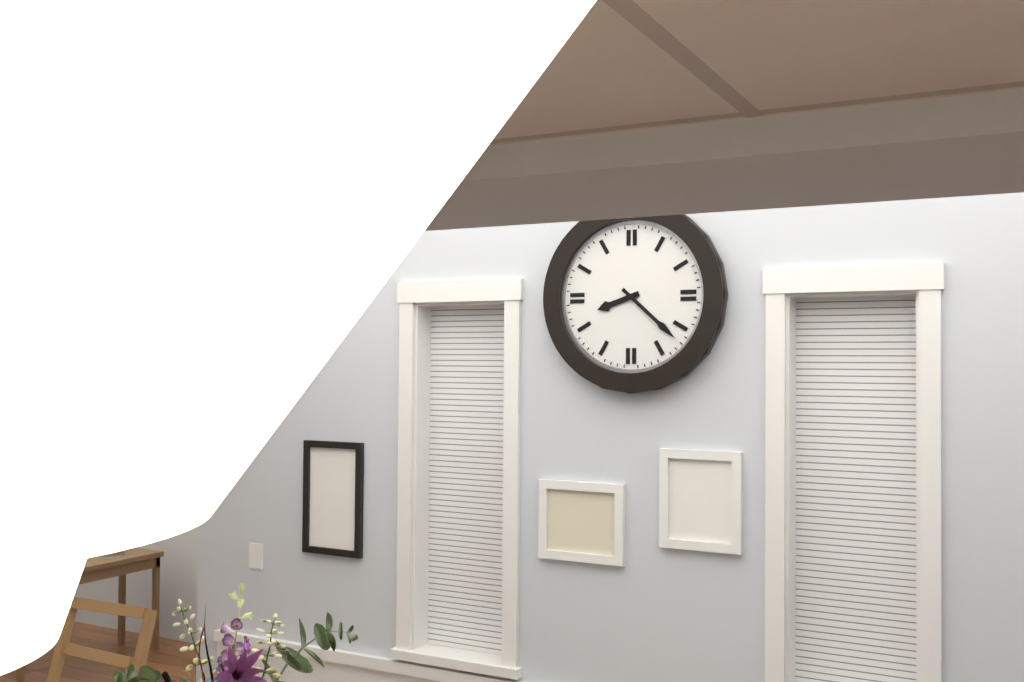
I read {"hour": 8, "minute": 22}
